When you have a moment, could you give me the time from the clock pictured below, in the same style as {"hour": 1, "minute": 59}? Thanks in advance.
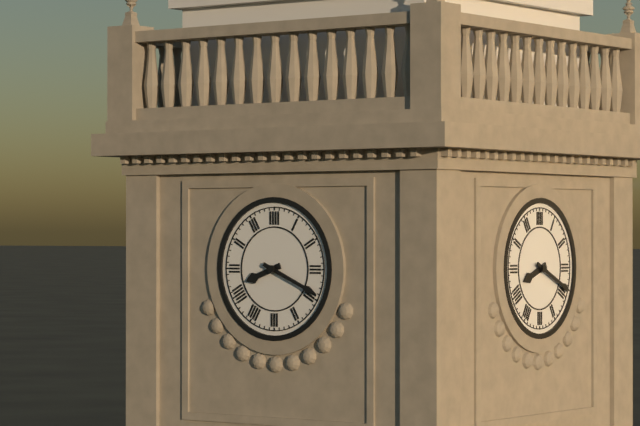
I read {"hour": 8, "minute": 19}
